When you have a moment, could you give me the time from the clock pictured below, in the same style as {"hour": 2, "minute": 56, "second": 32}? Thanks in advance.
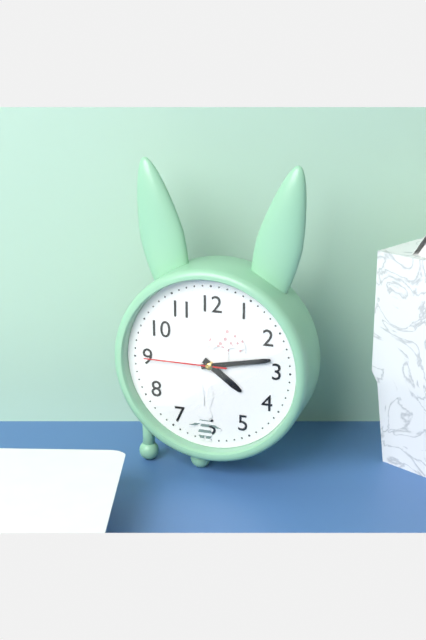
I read {"hour": 4, "minute": 13, "second": 45}
